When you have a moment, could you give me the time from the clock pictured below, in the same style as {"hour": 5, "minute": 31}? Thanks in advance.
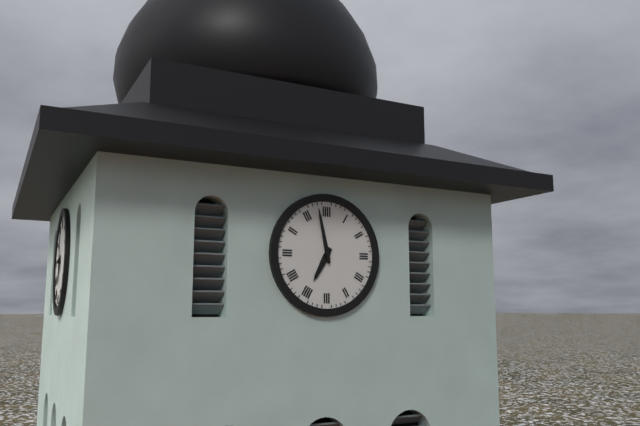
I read {"hour": 6, "minute": 58}
